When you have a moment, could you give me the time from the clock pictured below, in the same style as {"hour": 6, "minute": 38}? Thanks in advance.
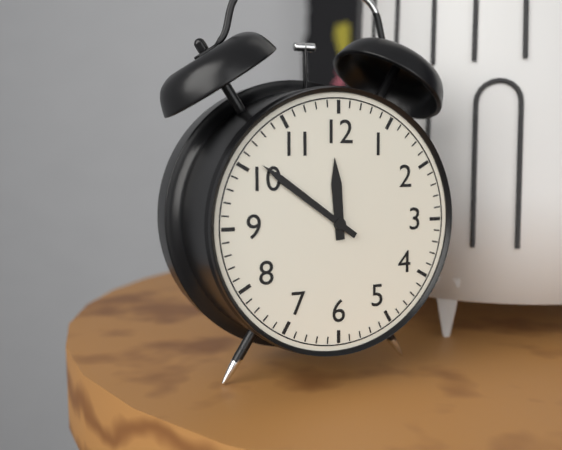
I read {"hour": 11, "minute": 51}
